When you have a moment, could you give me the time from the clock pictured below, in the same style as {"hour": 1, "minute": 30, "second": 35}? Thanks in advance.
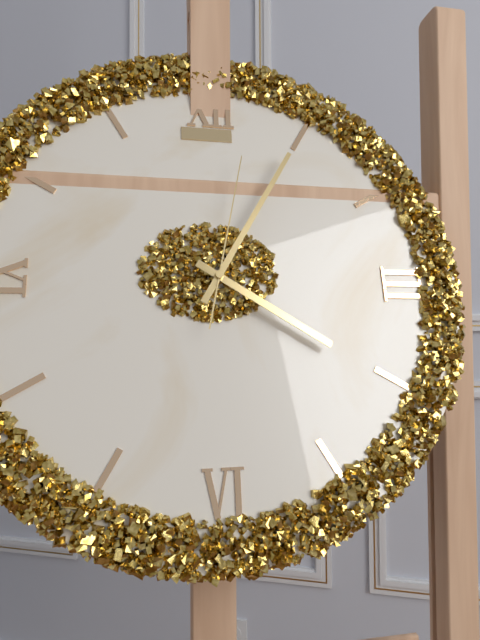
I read {"hour": 4, "minute": 5, "second": 2}
